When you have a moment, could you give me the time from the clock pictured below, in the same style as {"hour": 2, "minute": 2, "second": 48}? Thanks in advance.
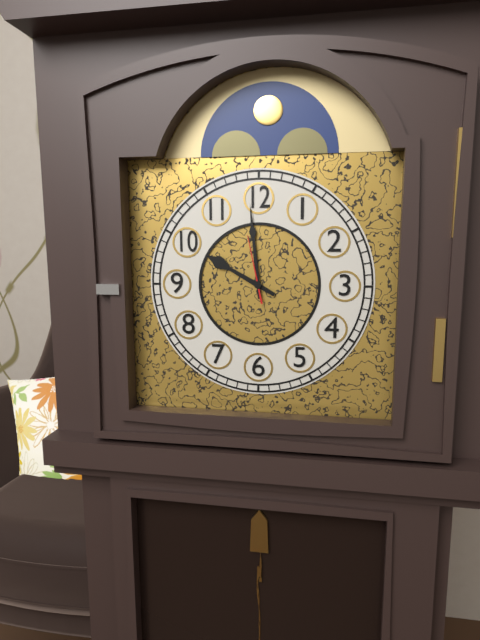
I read {"hour": 9, "minute": 59, "second": 58}
